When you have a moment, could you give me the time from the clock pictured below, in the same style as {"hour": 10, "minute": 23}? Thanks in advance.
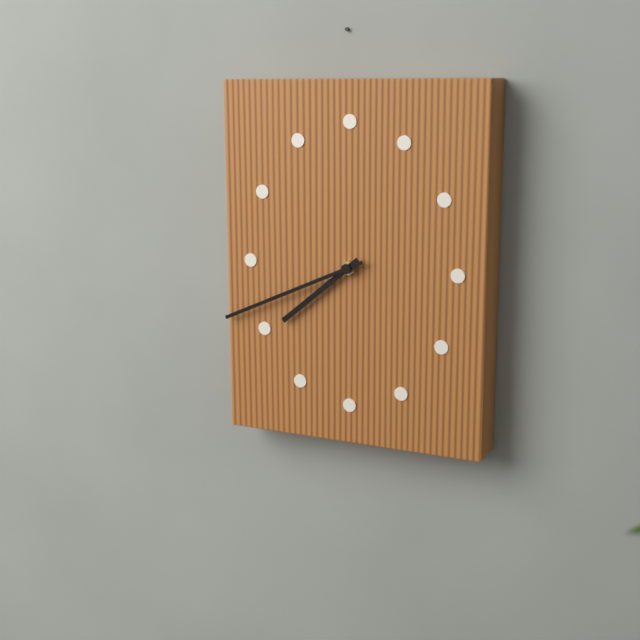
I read {"hour": 7, "minute": 41}
